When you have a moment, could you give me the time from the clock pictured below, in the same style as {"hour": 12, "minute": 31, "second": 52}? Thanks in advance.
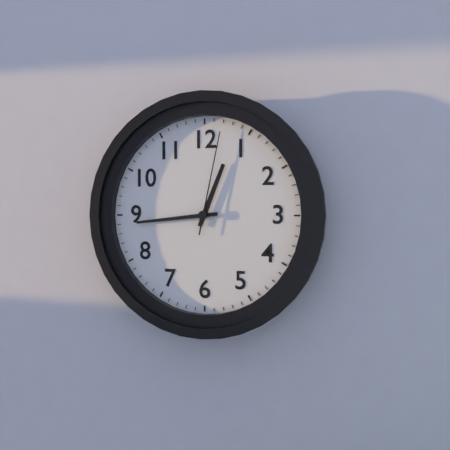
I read {"hour": 12, "minute": 44, "second": 2}
